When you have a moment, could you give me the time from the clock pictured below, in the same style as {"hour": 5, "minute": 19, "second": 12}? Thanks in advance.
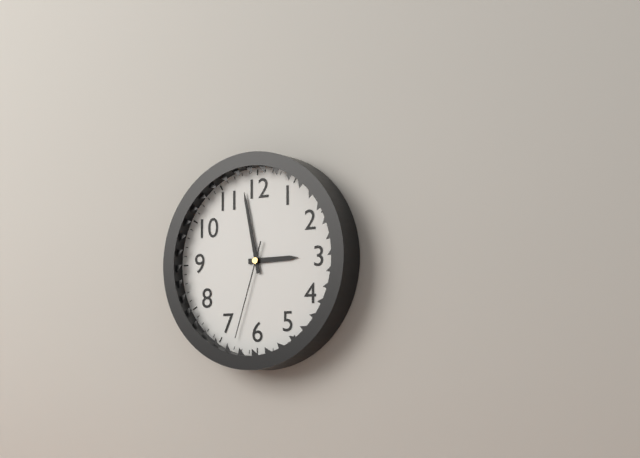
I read {"hour": 2, "minute": 58, "second": 33}
